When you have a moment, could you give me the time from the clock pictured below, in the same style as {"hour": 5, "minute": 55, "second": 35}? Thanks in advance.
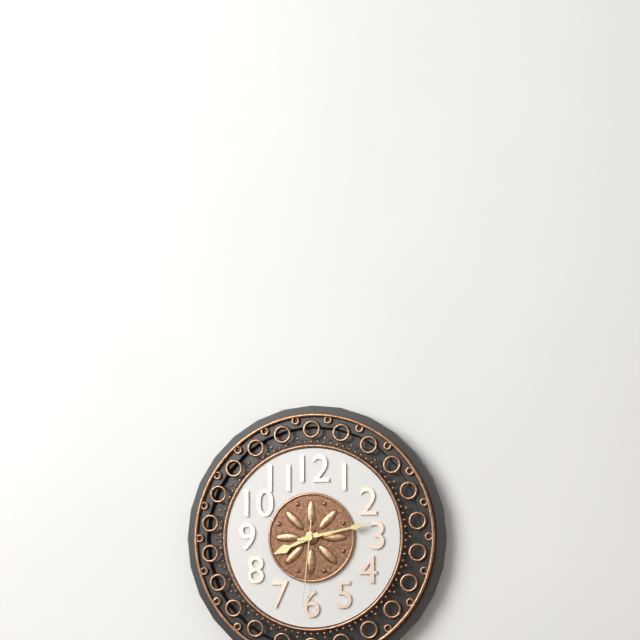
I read {"hour": 8, "minute": 13, "second": 31}
